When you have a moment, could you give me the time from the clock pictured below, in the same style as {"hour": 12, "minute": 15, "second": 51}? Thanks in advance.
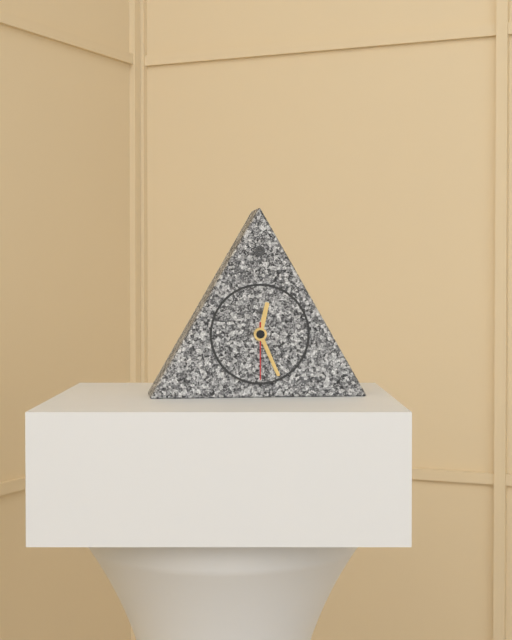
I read {"hour": 12, "minute": 26, "second": 30}
